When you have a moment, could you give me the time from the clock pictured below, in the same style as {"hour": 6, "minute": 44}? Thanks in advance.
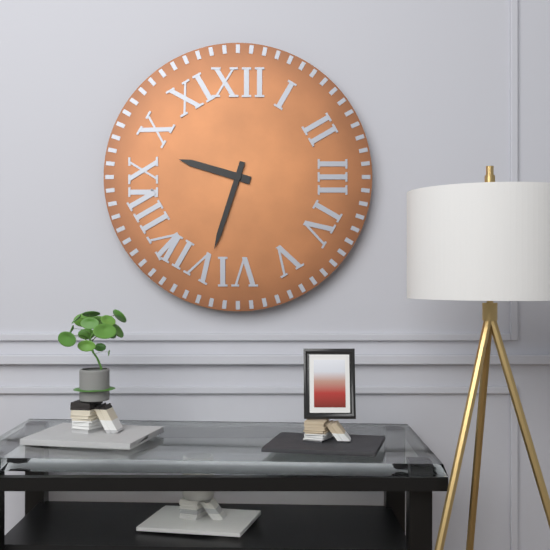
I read {"hour": 9, "minute": 33}
